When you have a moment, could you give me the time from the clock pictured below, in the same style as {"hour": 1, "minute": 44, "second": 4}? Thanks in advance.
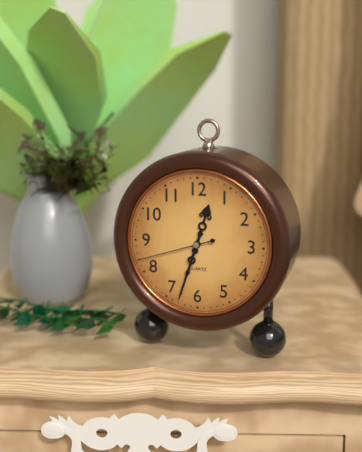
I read {"hour": 12, "minute": 33, "second": 42}
